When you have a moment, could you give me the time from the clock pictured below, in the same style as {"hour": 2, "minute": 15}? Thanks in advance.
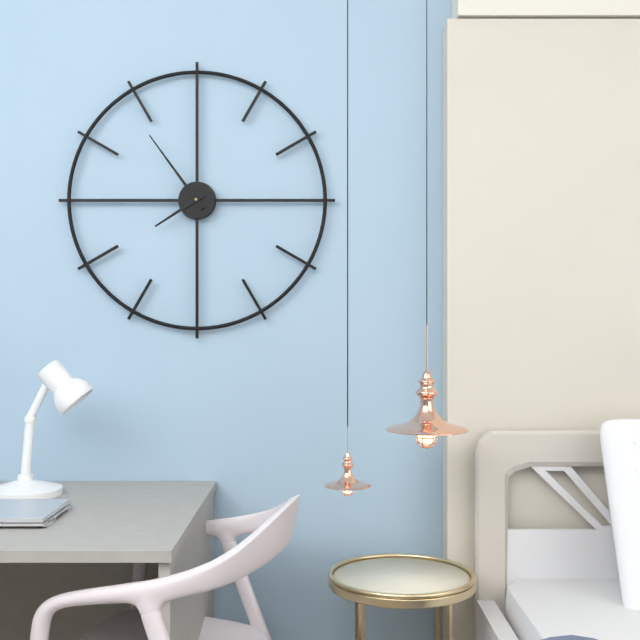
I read {"hour": 7, "minute": 54}
